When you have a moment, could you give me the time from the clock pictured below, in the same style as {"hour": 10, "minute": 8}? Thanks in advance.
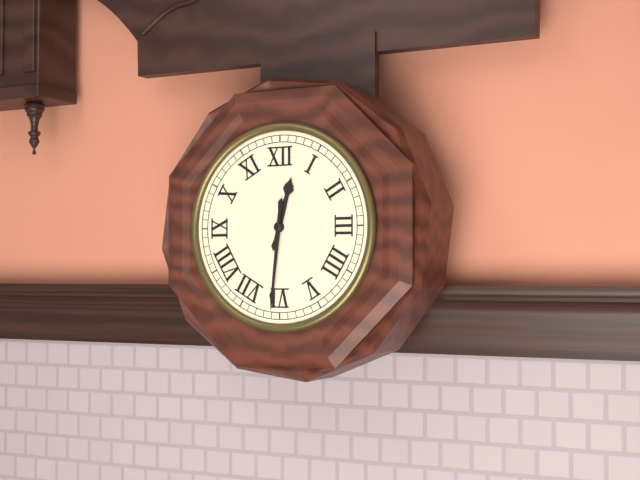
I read {"hour": 12, "minute": 31}
